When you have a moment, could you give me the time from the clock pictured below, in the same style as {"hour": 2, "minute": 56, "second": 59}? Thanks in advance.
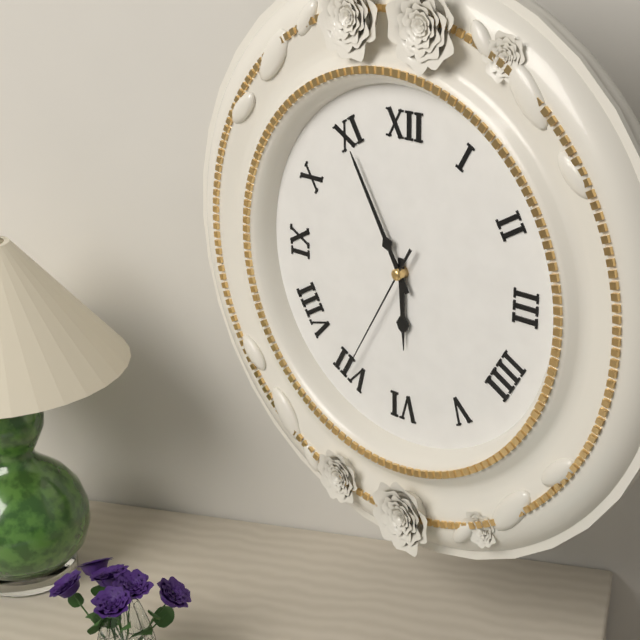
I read {"hour": 5, "minute": 55, "second": 35}
